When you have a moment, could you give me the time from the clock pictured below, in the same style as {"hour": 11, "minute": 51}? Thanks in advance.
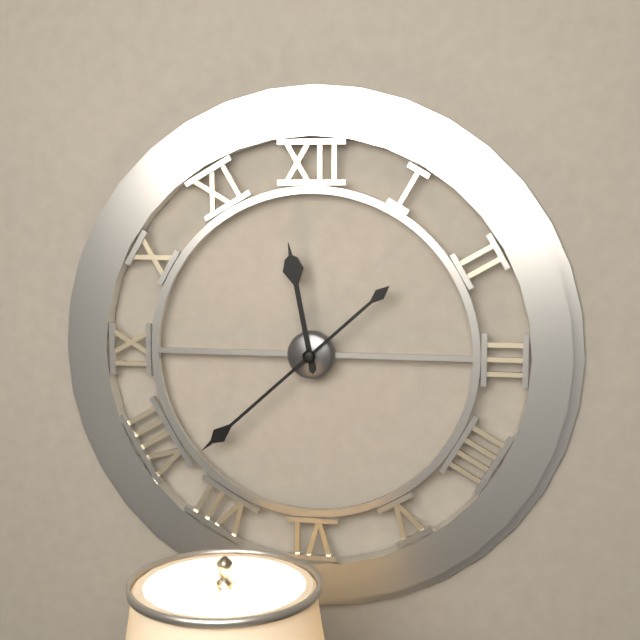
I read {"hour": 11, "minute": 38}
